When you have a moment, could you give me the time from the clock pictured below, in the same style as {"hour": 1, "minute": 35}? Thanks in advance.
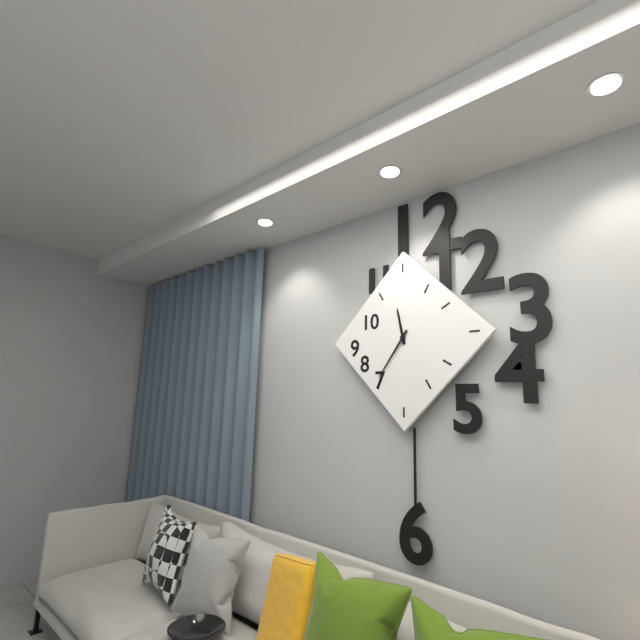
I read {"hour": 11, "minute": 36}
